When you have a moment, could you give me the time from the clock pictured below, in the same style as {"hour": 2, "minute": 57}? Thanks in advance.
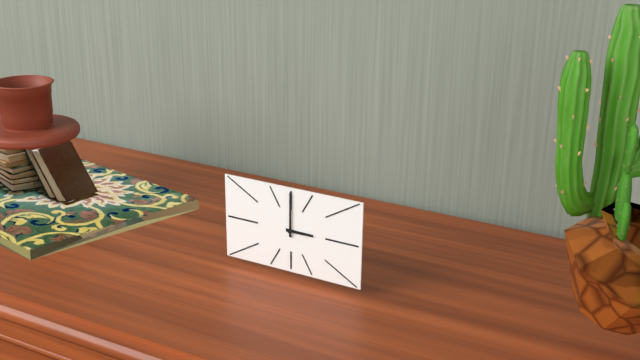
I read {"hour": 3, "minute": 0}
